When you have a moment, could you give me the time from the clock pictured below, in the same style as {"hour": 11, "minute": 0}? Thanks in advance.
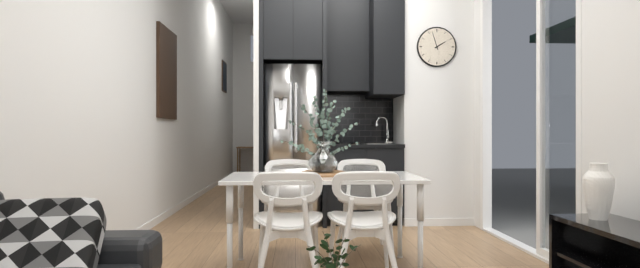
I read {"hour": 1, "minute": 57}
